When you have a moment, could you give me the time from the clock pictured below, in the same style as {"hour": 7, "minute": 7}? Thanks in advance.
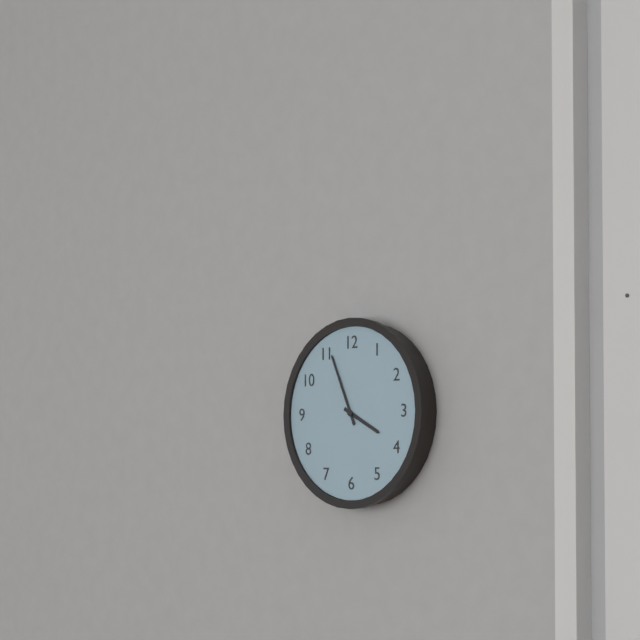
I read {"hour": 3, "minute": 56}
